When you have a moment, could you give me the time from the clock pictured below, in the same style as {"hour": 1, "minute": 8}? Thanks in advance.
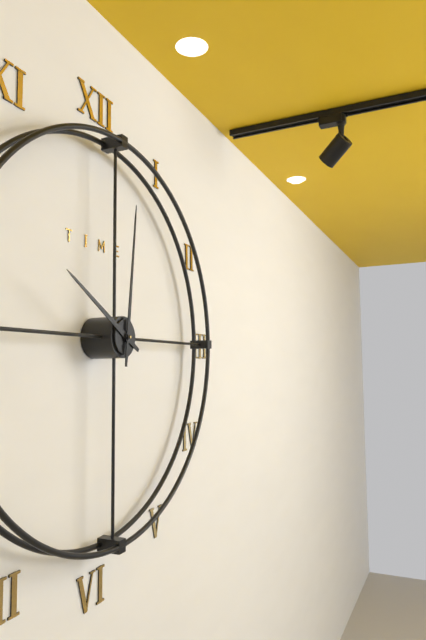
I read {"hour": 10, "minute": 1}
